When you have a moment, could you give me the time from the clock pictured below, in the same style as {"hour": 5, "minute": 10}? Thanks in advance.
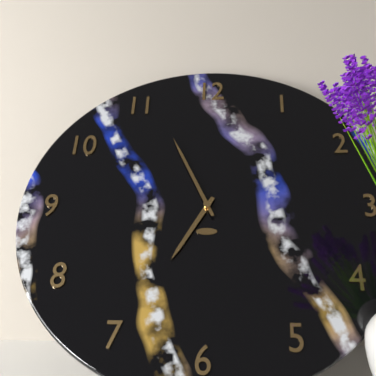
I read {"hour": 6, "minute": 56}
